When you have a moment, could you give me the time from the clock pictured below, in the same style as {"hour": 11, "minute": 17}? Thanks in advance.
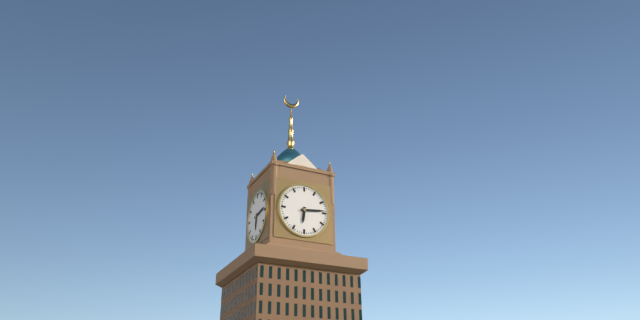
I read {"hour": 6, "minute": 14}
